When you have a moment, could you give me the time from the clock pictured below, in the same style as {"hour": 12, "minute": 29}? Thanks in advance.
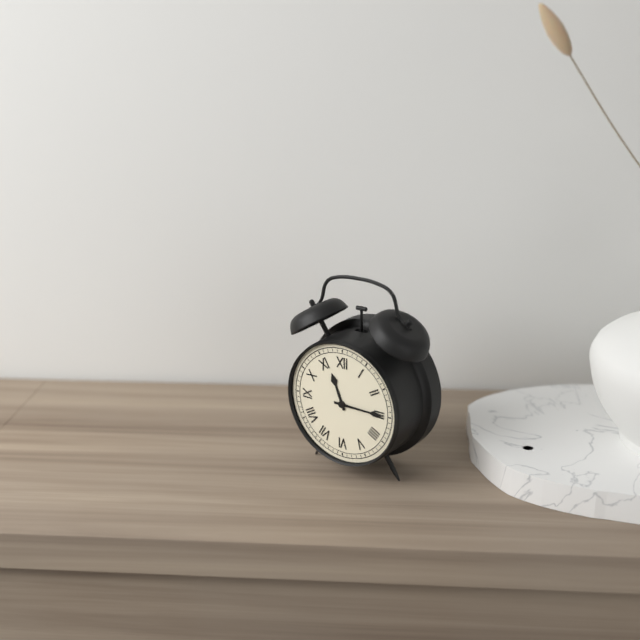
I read {"hour": 11, "minute": 15}
